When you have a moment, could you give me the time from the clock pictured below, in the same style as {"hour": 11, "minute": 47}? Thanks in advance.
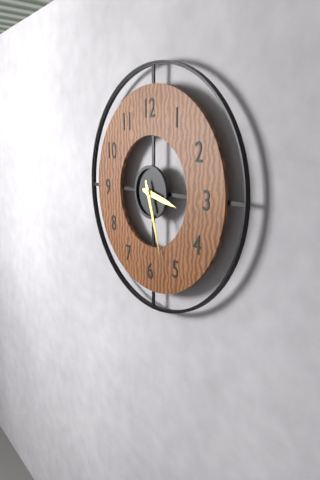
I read {"hour": 3, "minute": 27}
